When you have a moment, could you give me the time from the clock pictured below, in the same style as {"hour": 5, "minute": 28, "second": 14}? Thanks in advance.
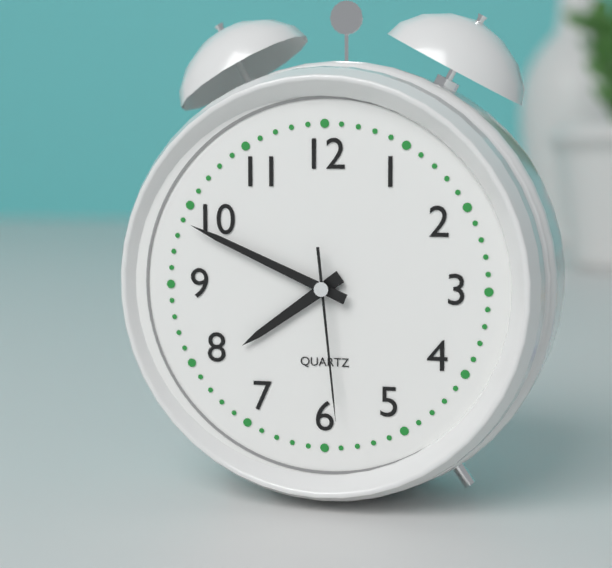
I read {"hour": 7, "minute": 49, "second": 29}
